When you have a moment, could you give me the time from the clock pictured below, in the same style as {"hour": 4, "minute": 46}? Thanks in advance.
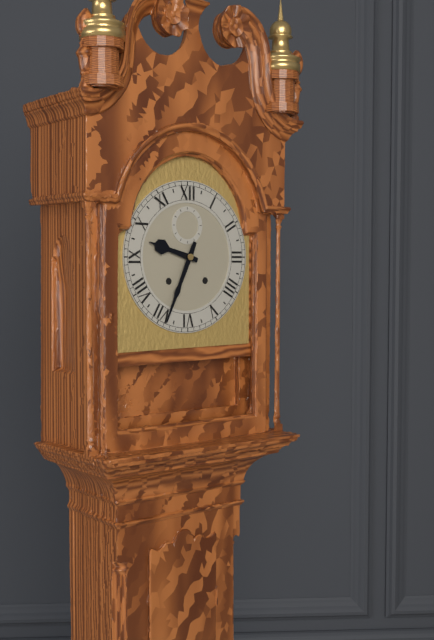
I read {"hour": 9, "minute": 34}
